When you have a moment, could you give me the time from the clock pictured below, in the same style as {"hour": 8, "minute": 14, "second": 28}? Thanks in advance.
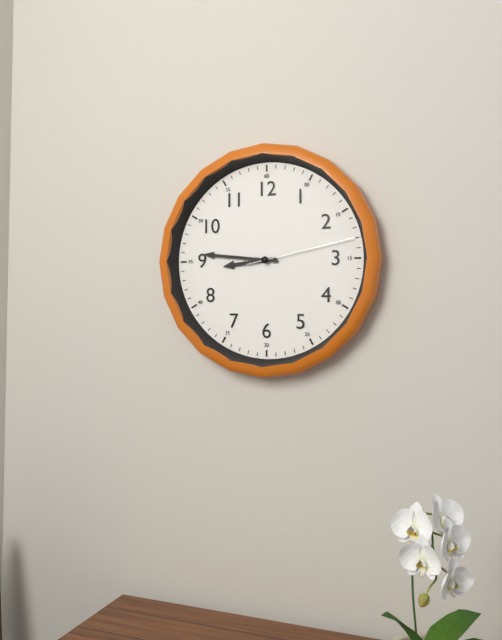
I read {"hour": 8, "minute": 46, "second": 13}
